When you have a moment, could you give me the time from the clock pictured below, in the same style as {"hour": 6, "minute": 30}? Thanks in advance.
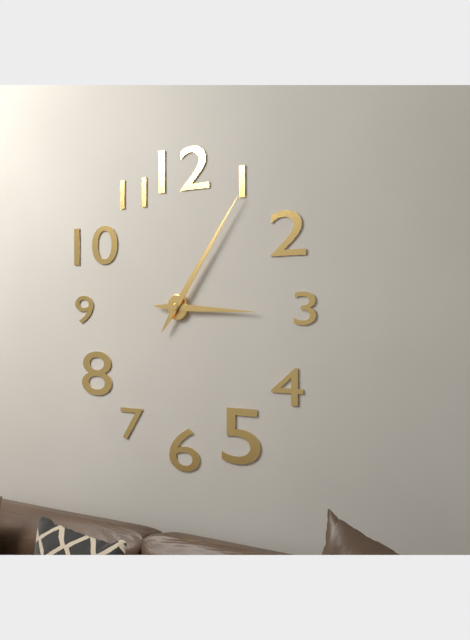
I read {"hour": 3, "minute": 6}
